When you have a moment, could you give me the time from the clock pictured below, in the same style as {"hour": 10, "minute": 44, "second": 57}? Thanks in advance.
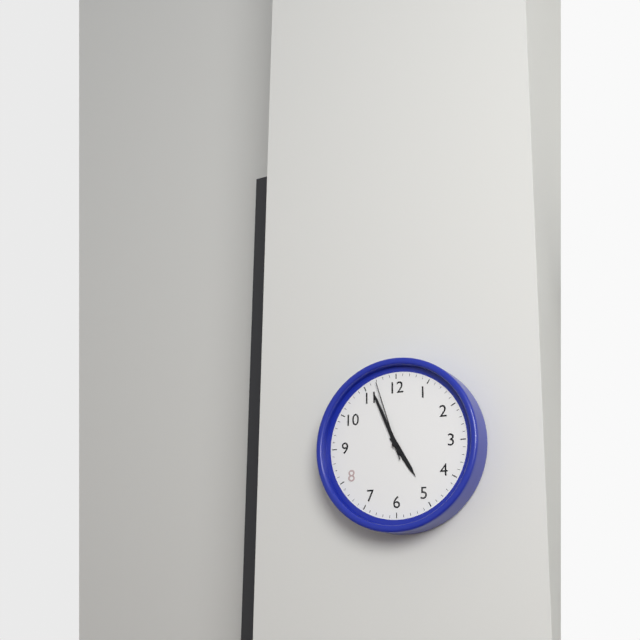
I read {"hour": 4, "minute": 56, "second": 57}
